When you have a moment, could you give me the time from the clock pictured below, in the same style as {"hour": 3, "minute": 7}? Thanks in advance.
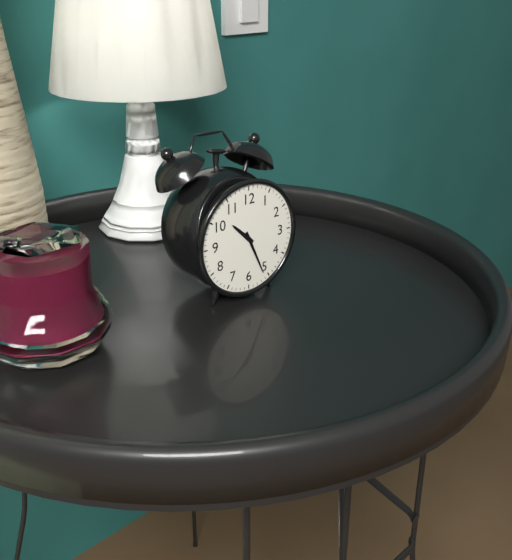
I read {"hour": 10, "minute": 26}
